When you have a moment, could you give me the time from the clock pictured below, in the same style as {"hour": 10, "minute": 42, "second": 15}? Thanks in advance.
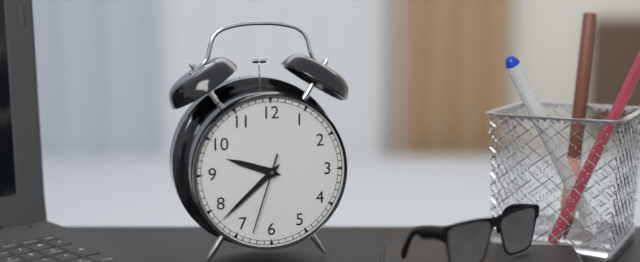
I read {"hour": 9, "minute": 38, "second": 33}
